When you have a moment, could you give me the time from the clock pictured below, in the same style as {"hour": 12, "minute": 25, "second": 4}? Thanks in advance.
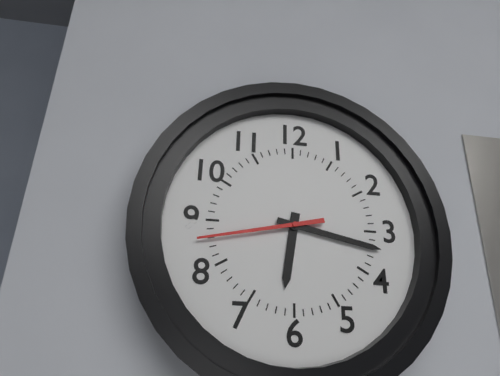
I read {"hour": 6, "minute": 17, "second": 43}
